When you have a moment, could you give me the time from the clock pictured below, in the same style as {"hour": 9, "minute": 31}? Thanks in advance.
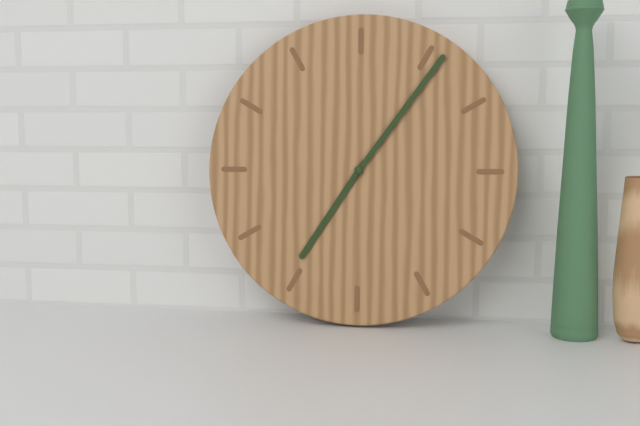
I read {"hour": 7, "minute": 6}
